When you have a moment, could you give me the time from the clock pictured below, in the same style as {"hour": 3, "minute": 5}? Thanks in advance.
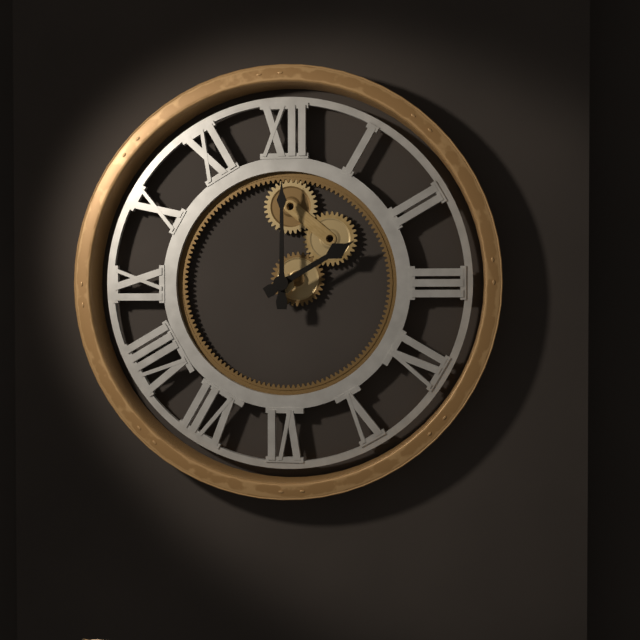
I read {"hour": 2, "minute": 0}
